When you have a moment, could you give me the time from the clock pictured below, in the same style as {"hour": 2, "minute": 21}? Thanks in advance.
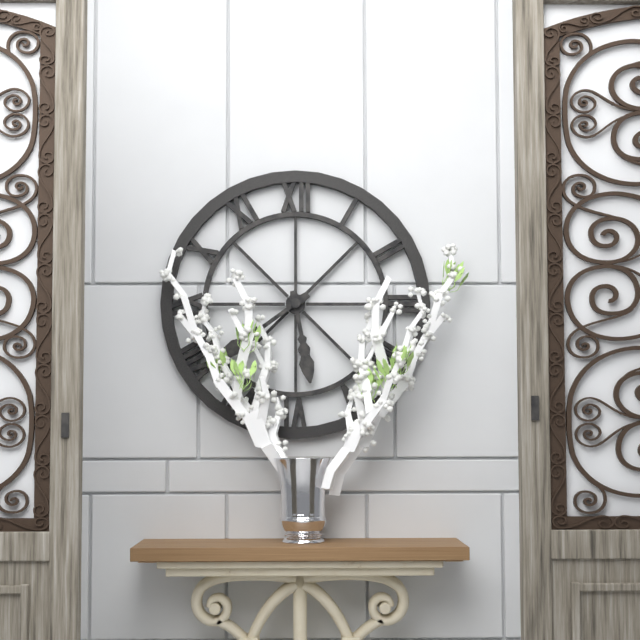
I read {"hour": 5, "minute": 39}
